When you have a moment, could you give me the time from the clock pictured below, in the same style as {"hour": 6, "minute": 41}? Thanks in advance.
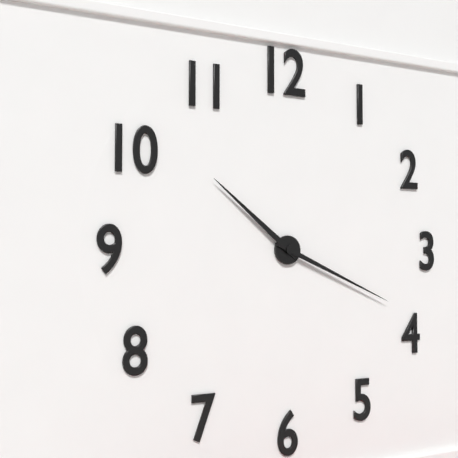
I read {"hour": 10, "minute": 19}
